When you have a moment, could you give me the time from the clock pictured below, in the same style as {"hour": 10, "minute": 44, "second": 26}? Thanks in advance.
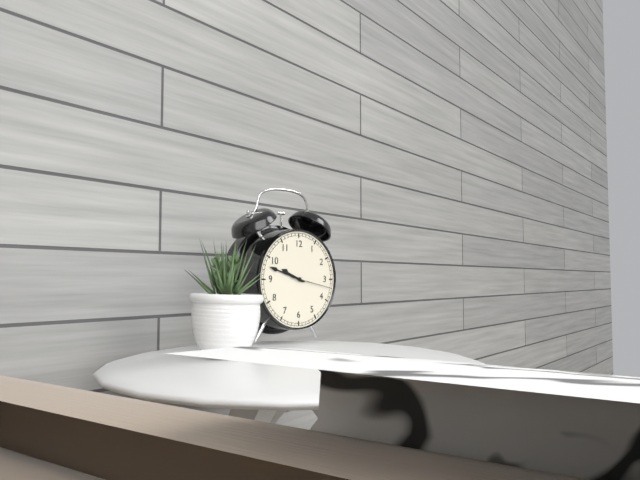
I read {"hour": 9, "minute": 48, "second": 17}
